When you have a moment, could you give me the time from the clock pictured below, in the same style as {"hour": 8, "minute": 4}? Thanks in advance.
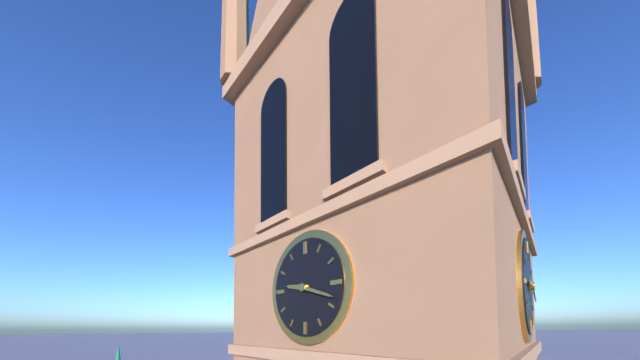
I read {"hour": 9, "minute": 18}
